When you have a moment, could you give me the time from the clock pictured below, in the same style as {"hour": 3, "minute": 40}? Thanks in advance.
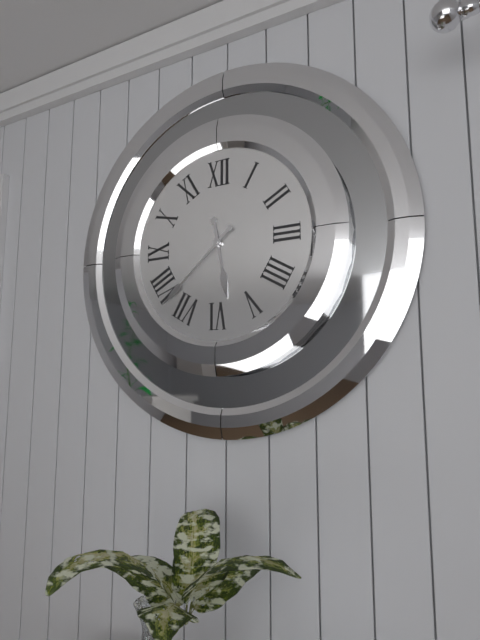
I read {"hour": 5, "minute": 38}
